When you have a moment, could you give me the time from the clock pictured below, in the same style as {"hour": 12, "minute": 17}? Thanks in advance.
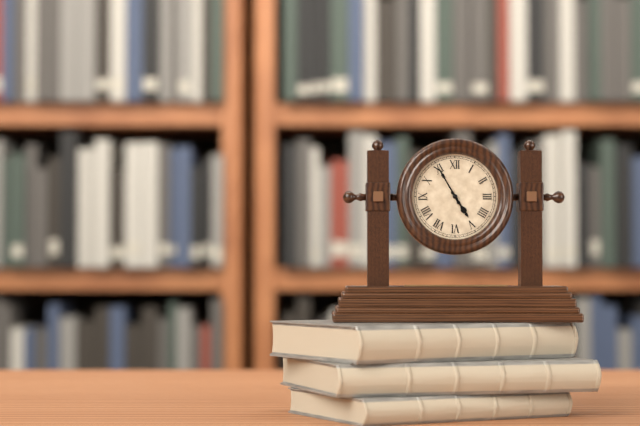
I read {"hour": 4, "minute": 55}
